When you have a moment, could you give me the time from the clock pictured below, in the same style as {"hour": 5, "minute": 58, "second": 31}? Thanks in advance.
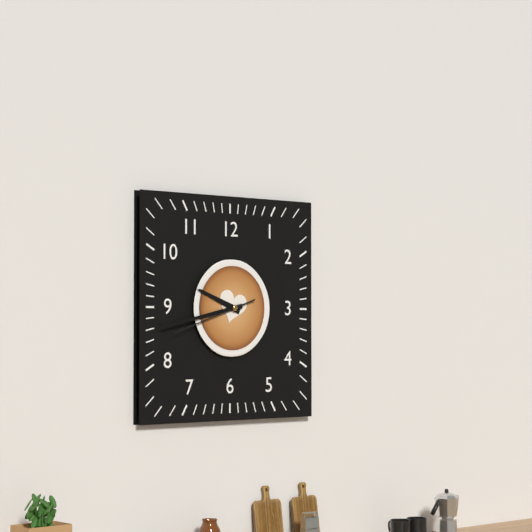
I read {"hour": 9, "minute": 43, "second": 42}
